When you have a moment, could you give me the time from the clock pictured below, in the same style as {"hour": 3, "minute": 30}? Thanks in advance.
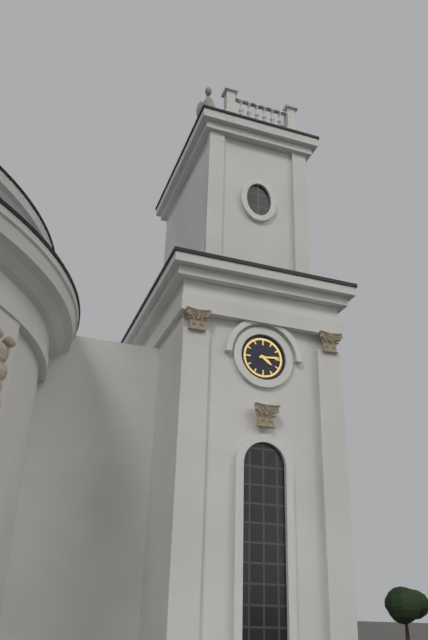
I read {"hour": 4, "minute": 14}
